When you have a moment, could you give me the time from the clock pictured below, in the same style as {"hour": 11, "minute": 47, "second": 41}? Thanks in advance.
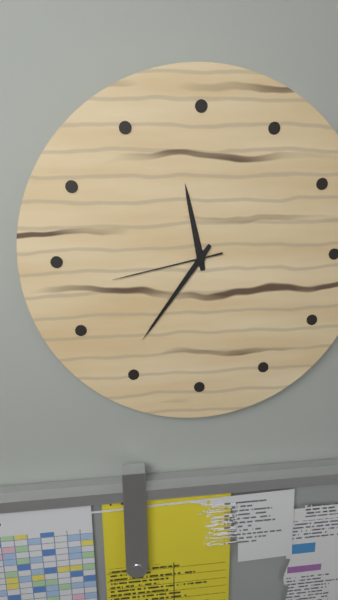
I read {"hour": 11, "minute": 36, "second": 43}
